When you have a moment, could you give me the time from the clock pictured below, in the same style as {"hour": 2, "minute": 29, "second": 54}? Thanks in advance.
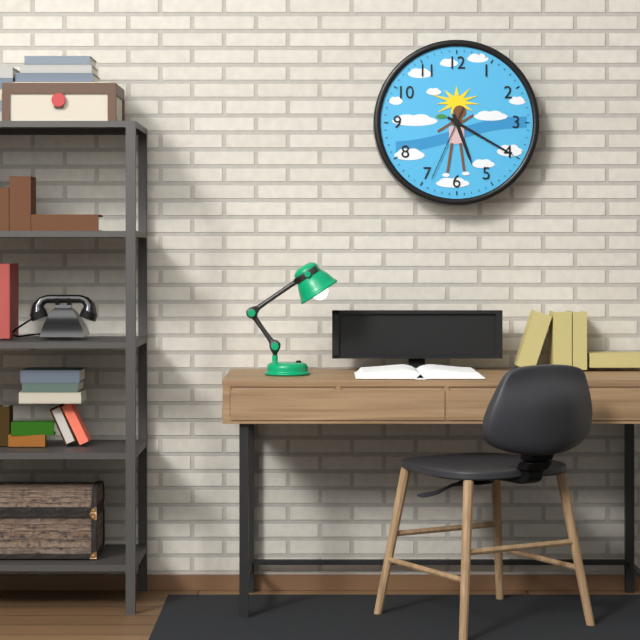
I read {"hour": 5, "minute": 20, "second": 34}
